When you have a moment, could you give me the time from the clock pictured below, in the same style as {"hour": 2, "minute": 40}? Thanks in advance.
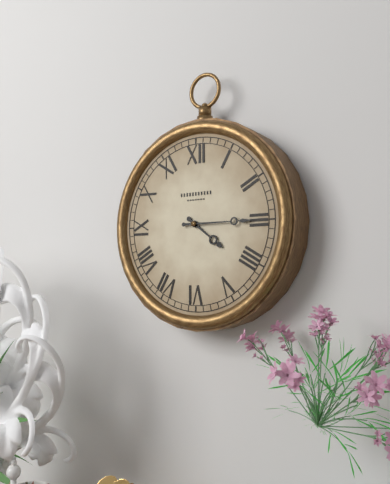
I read {"hour": 4, "minute": 15}
